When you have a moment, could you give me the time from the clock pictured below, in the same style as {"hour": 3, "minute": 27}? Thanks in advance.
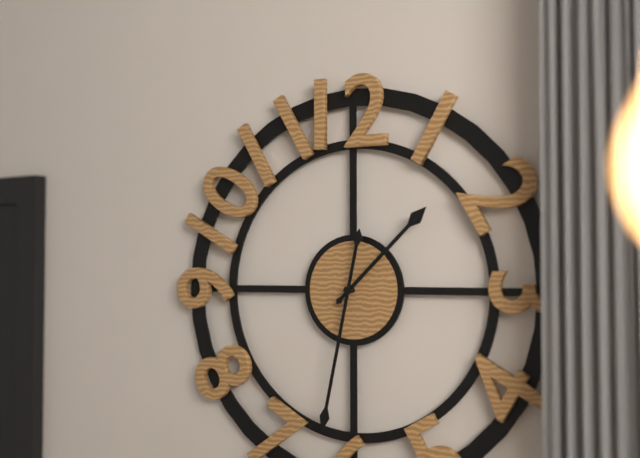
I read {"hour": 1, "minute": 32}
